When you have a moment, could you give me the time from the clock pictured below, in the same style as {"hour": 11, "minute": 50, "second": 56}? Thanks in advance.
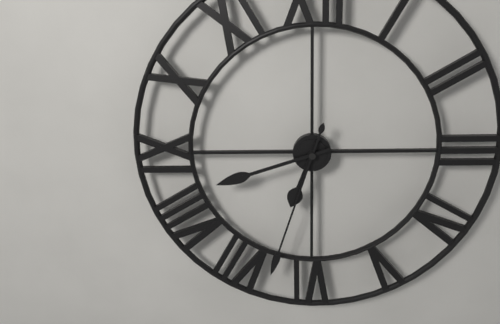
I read {"hour": 6, "minute": 42, "second": 33}
